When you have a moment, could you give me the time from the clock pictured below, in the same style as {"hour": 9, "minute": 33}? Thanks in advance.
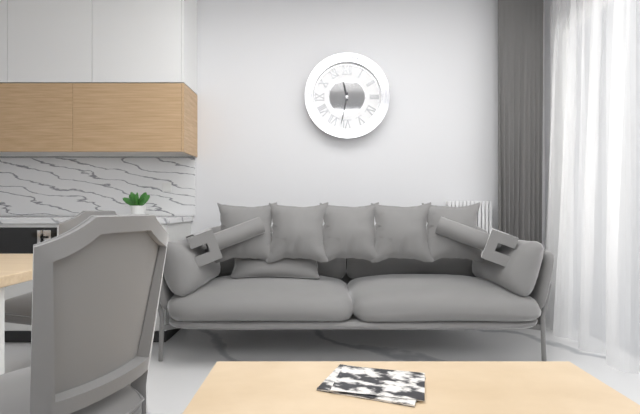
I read {"hour": 11, "minute": 32}
